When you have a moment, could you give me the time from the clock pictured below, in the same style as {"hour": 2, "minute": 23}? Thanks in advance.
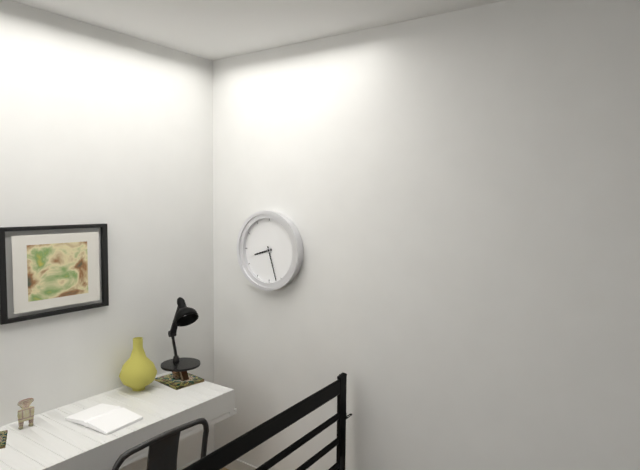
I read {"hour": 8, "minute": 27}
